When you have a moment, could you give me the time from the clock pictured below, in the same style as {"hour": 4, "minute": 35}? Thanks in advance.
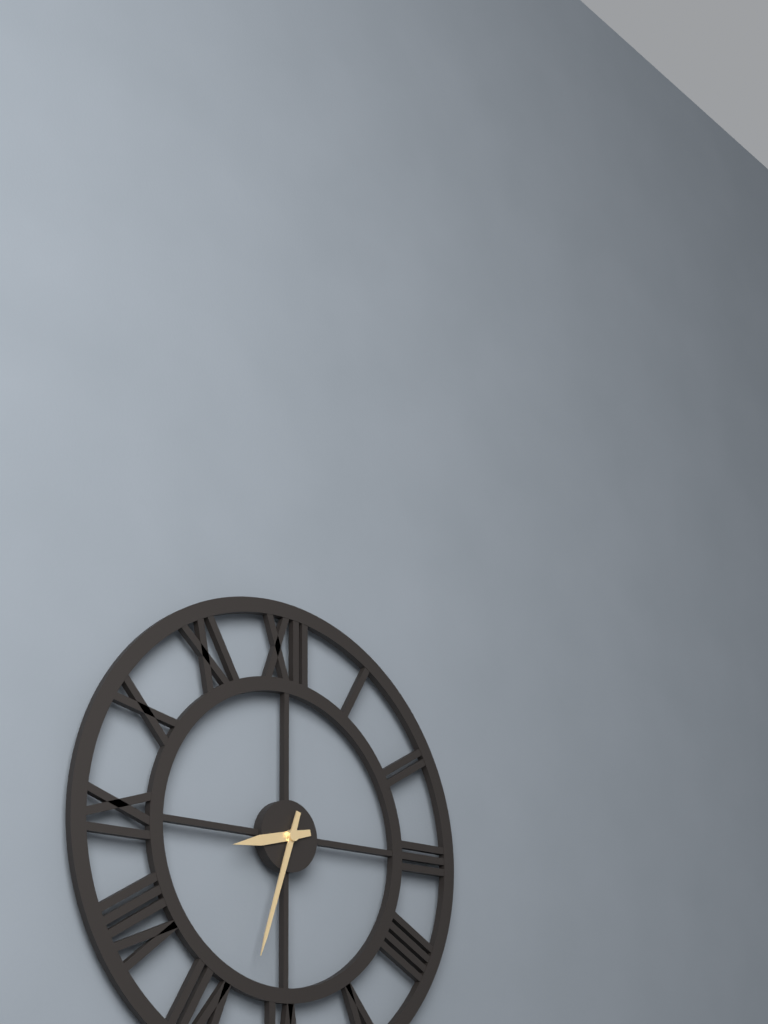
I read {"hour": 8, "minute": 33}
